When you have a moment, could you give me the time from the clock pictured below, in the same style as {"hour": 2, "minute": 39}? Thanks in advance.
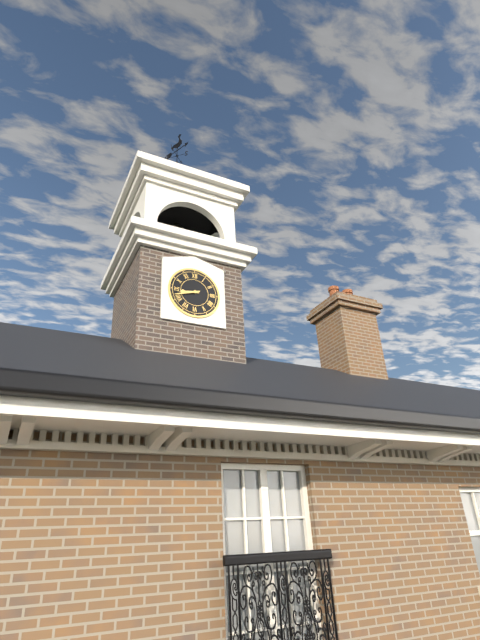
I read {"hour": 8, "minute": 42}
